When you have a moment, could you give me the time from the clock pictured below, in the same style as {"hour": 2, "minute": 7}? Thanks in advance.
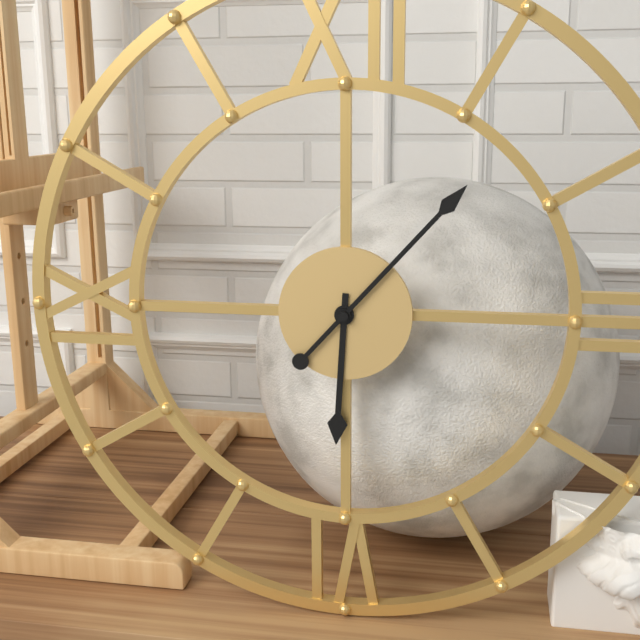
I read {"hour": 6, "minute": 7}
